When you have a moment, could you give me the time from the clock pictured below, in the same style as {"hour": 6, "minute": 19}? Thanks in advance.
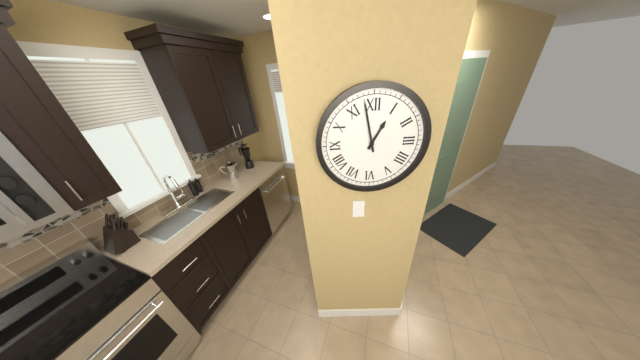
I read {"hour": 12, "minute": 58}
